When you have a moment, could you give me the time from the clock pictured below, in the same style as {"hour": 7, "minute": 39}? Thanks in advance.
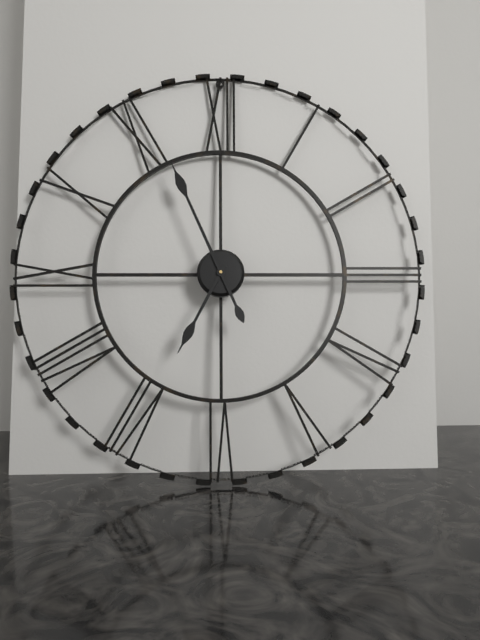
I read {"hour": 6, "minute": 56}
